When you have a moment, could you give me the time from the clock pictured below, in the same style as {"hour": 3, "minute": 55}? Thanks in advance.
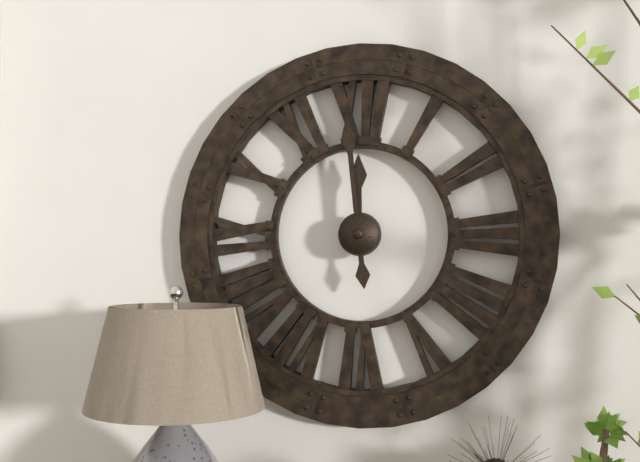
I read {"hour": 11, "minute": 59}
